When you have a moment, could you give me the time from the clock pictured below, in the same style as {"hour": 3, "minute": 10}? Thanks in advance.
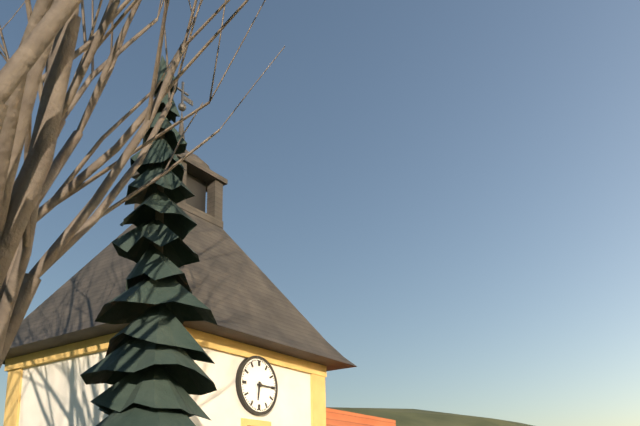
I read {"hour": 6, "minute": 15}
